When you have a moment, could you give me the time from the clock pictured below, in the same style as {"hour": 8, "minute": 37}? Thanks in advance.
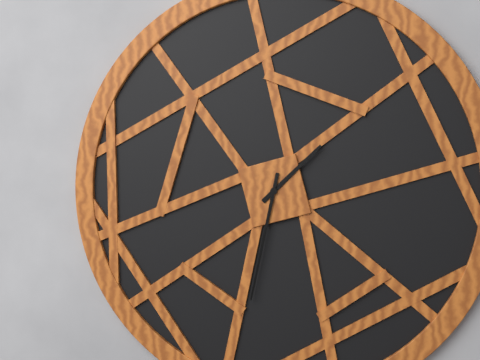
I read {"hour": 1, "minute": 32}
